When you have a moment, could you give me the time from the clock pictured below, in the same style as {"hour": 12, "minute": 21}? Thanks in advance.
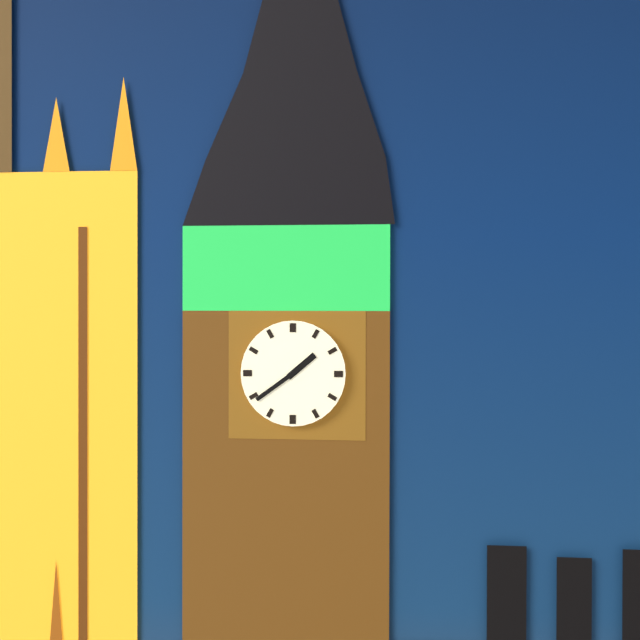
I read {"hour": 1, "minute": 39}
